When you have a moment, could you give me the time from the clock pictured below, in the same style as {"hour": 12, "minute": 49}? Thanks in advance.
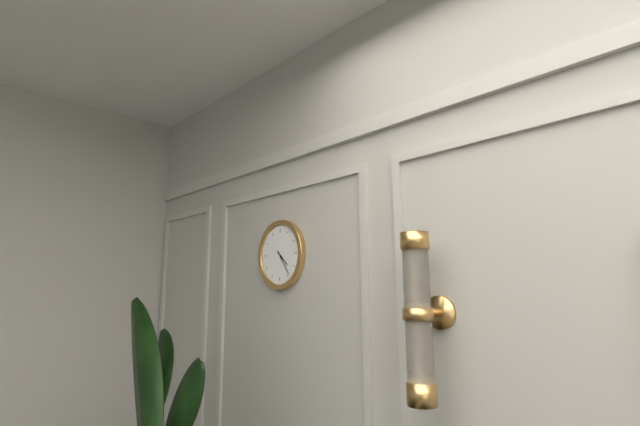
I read {"hour": 4, "minute": 24}
